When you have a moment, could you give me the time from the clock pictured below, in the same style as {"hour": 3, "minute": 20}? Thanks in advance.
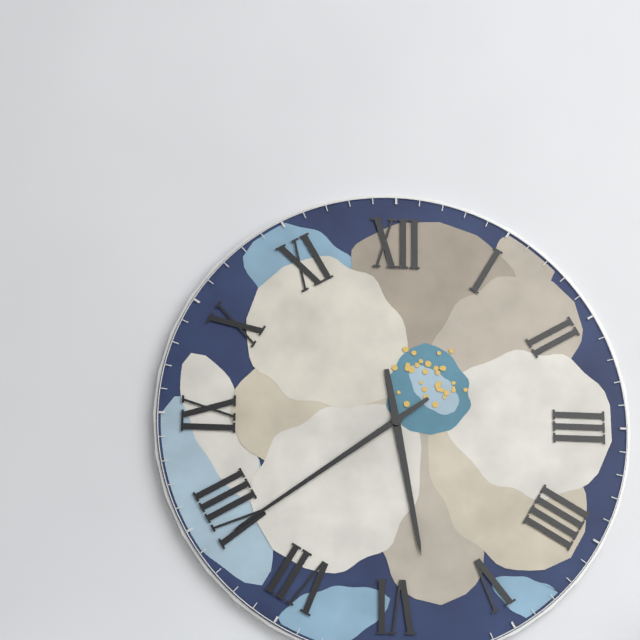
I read {"hour": 5, "minute": 39}
